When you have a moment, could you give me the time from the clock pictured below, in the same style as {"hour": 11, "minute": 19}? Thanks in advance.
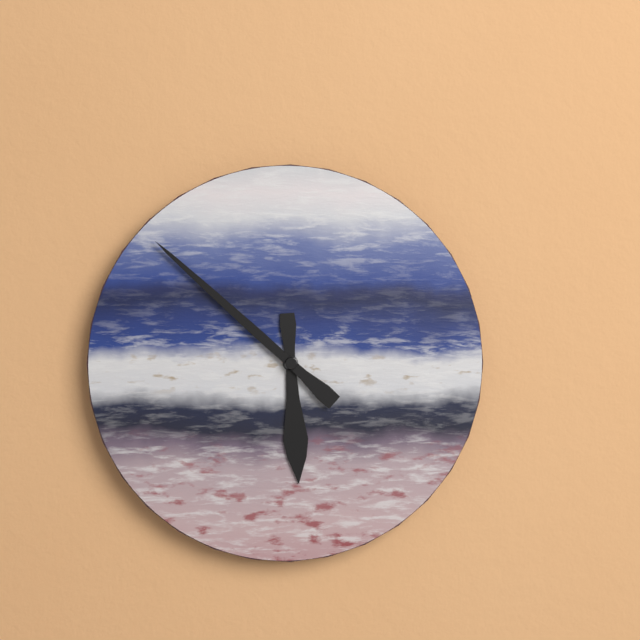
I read {"hour": 5, "minute": 52}
